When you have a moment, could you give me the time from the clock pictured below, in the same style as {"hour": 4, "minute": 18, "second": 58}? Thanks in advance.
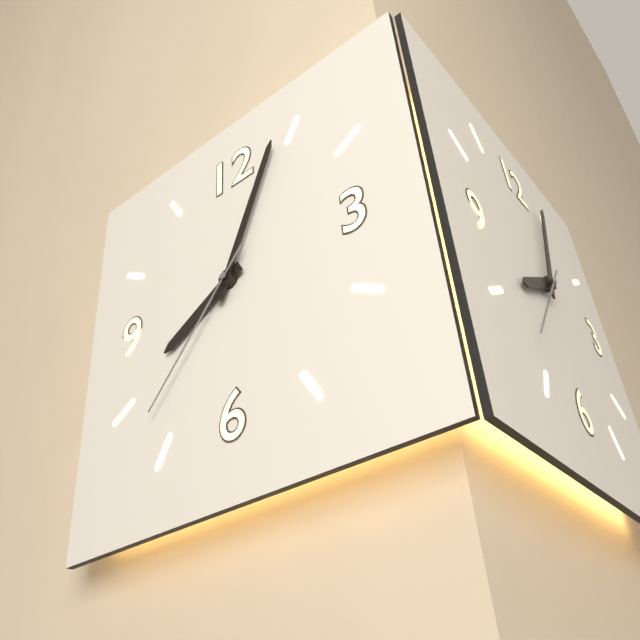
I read {"hour": 8, "minute": 4, "second": 37}
